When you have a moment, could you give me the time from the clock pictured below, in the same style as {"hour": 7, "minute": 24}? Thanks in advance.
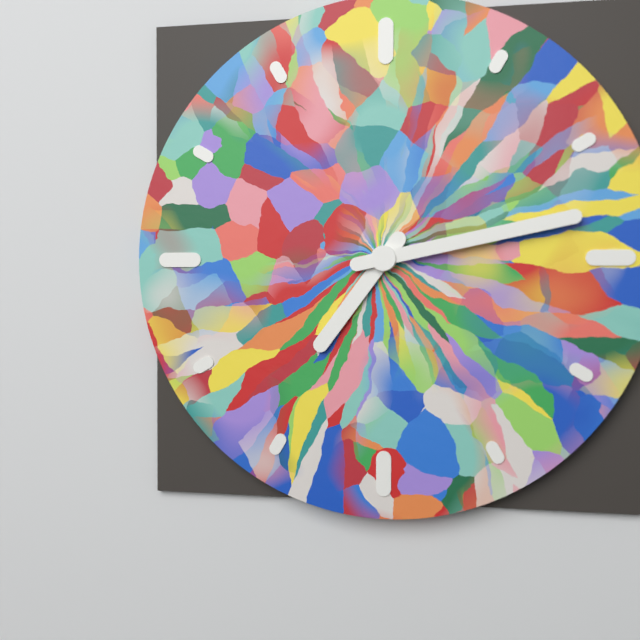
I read {"hour": 7, "minute": 13}
